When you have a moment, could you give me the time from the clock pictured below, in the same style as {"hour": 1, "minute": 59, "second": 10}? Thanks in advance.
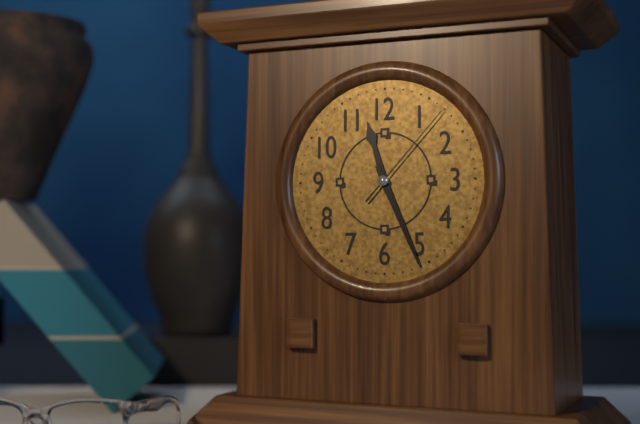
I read {"hour": 11, "minute": 26, "second": 7}
